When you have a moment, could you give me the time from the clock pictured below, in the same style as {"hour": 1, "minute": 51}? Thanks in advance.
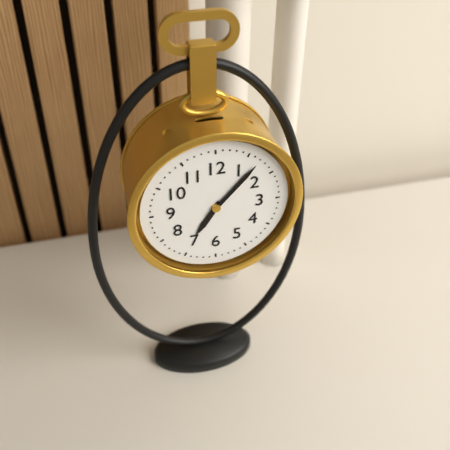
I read {"hour": 7, "minute": 7}
